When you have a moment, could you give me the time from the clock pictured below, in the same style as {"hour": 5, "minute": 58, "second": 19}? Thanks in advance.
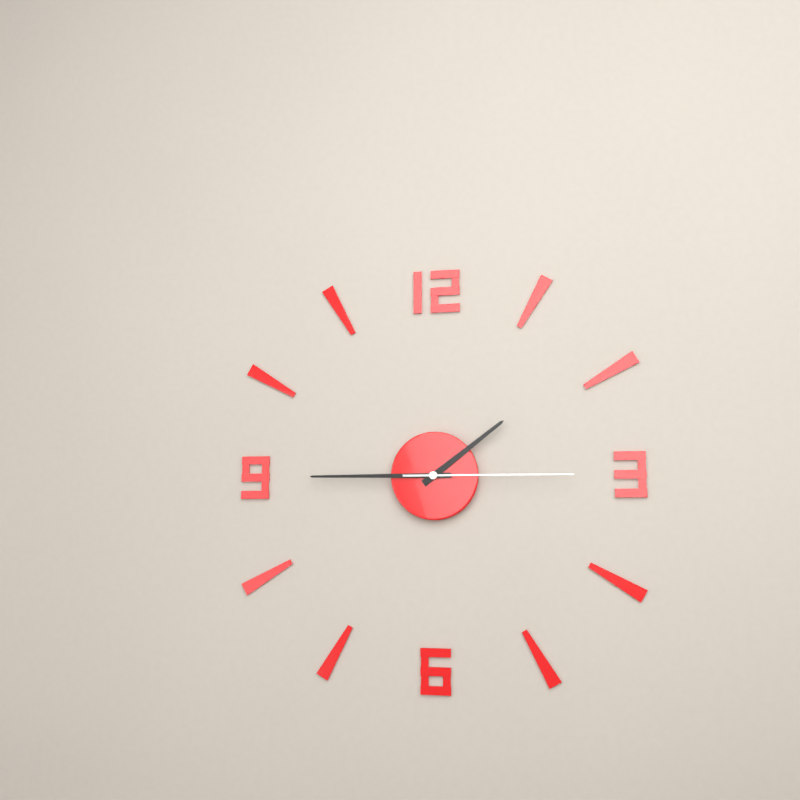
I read {"hour": 1, "minute": 45, "second": 15}
